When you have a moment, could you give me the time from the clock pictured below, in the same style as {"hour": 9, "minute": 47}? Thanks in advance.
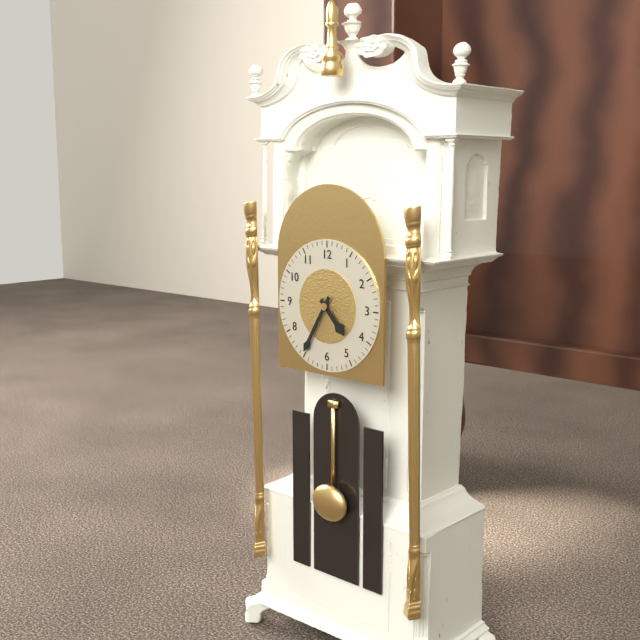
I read {"hour": 4, "minute": 35}
